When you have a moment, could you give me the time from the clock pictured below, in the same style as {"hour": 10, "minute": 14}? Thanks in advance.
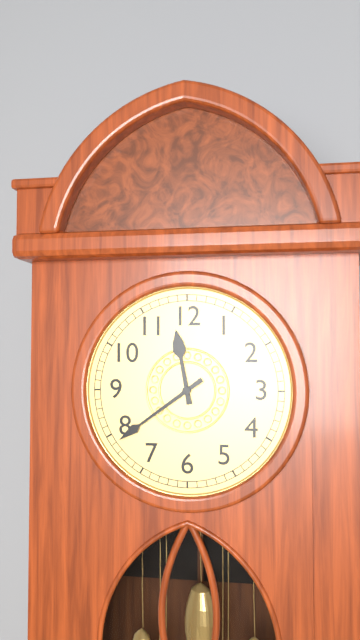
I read {"hour": 11, "minute": 39}
